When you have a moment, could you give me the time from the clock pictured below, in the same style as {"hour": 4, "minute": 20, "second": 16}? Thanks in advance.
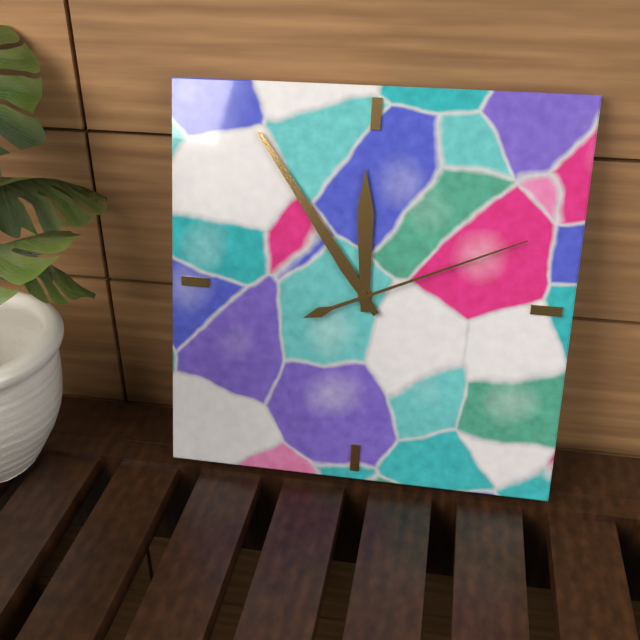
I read {"hour": 11, "minute": 54, "second": 11}
